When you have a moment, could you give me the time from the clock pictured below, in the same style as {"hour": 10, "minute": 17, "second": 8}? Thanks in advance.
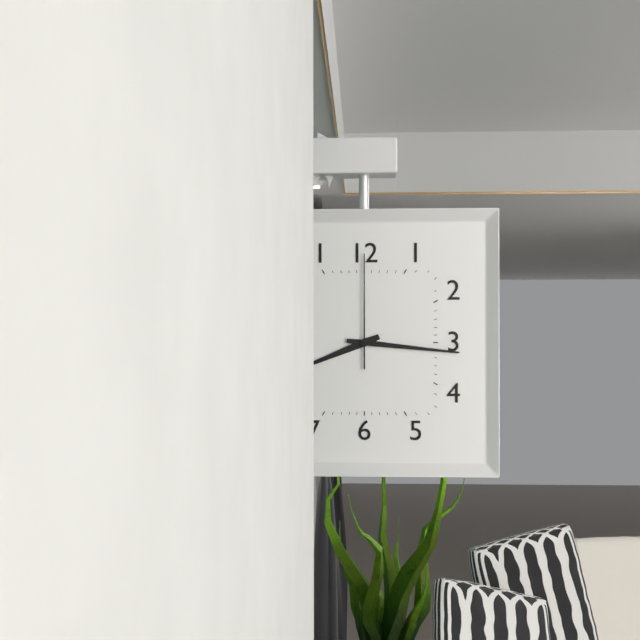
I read {"hour": 8, "minute": 16, "second": 0}
